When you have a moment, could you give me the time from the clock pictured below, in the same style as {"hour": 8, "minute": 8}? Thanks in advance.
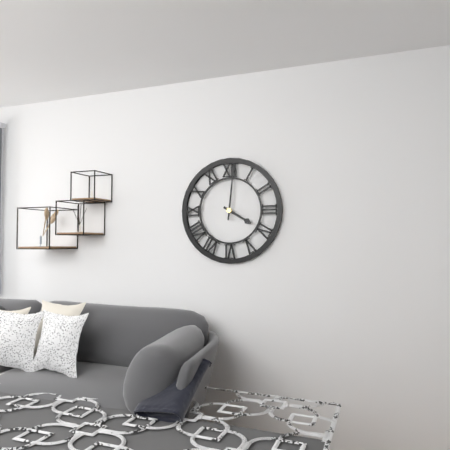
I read {"hour": 4, "minute": 1}
